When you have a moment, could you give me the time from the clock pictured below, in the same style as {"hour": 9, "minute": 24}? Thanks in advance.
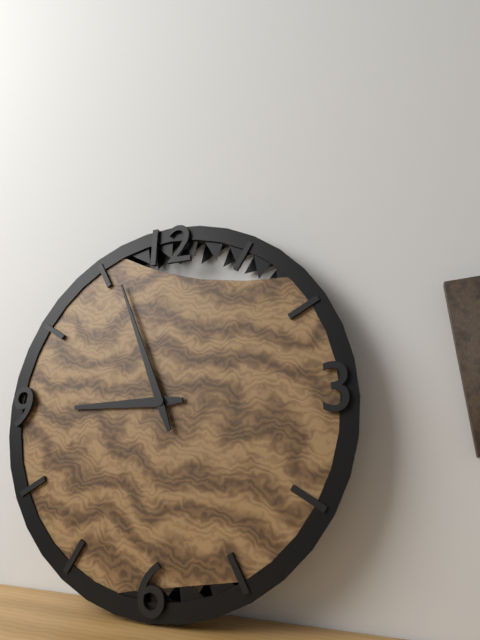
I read {"hour": 8, "minute": 56}
